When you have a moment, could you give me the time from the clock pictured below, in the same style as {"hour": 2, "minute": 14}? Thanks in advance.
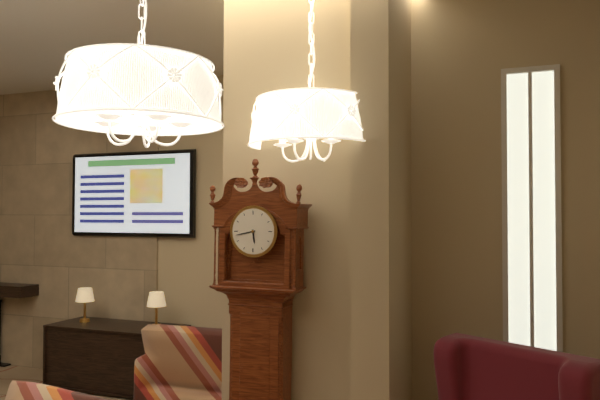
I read {"hour": 5, "minute": 43}
